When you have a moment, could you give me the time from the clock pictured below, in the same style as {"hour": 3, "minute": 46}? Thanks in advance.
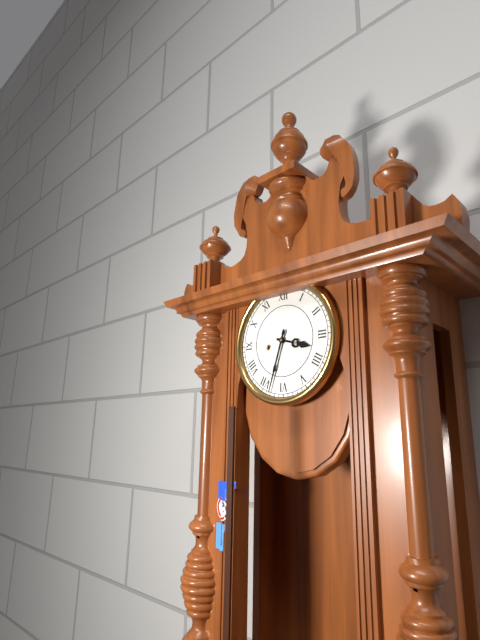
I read {"hour": 3, "minute": 33}
